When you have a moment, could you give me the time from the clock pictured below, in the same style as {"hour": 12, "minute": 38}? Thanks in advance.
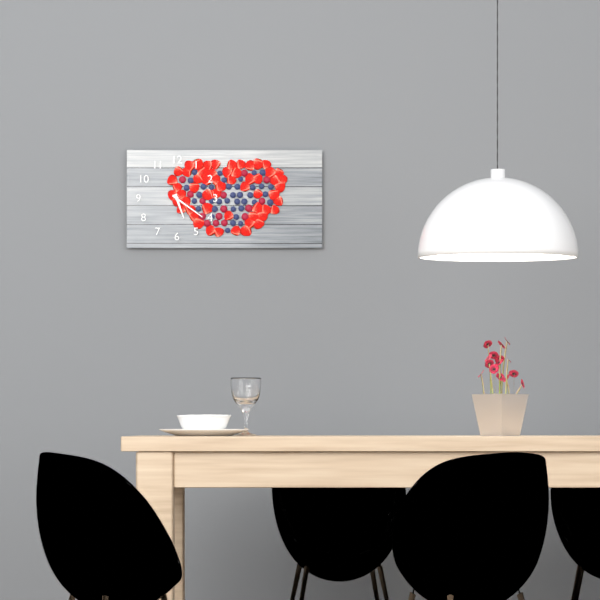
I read {"hour": 5, "minute": 21}
